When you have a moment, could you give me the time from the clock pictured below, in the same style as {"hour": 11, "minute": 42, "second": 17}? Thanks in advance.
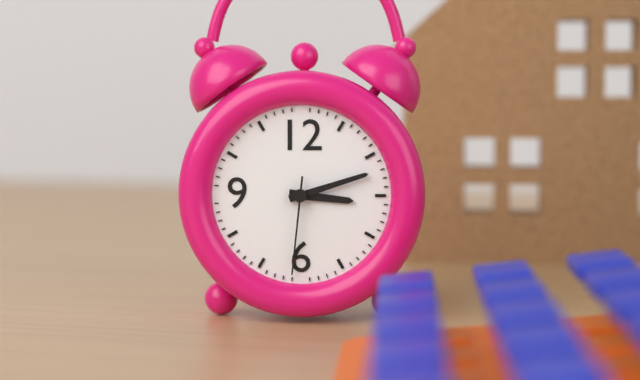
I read {"hour": 3, "minute": 12, "second": 31}
